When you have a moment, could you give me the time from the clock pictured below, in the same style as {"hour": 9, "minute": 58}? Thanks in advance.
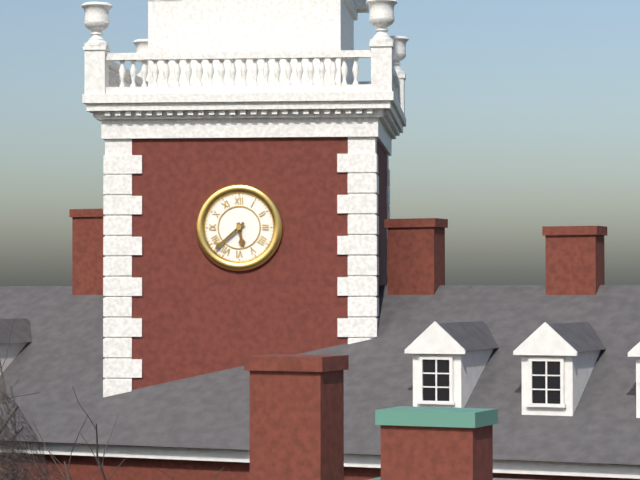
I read {"hour": 5, "minute": 38}
